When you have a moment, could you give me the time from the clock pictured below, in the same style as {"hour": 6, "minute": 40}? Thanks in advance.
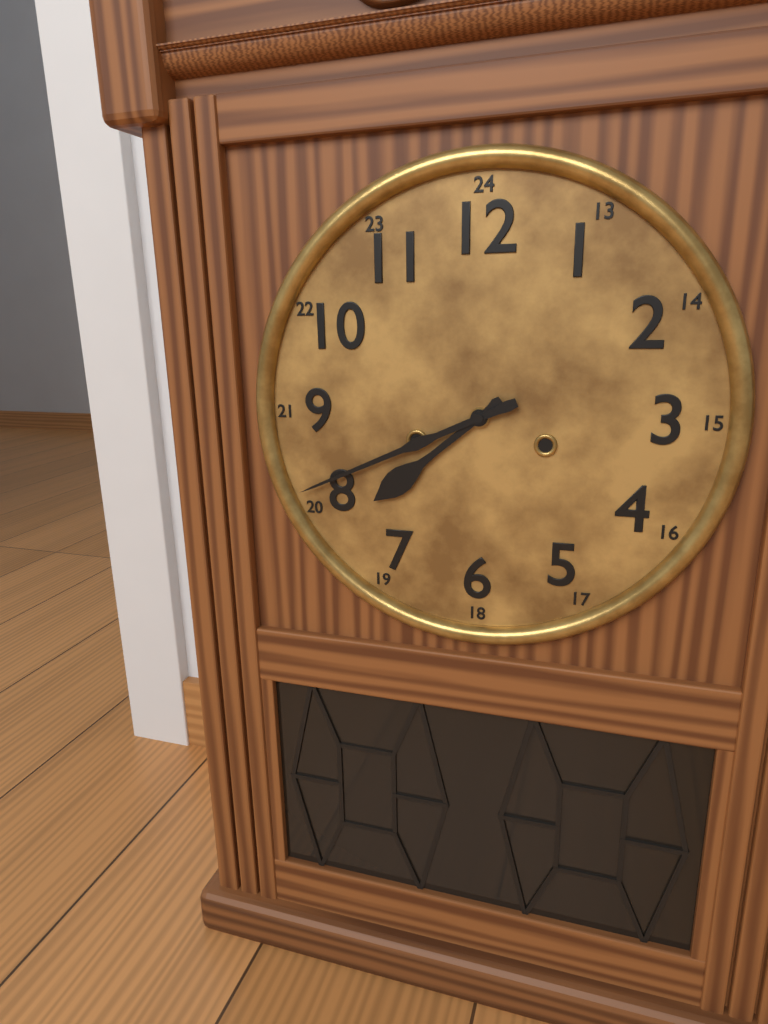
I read {"hour": 7, "minute": 41}
